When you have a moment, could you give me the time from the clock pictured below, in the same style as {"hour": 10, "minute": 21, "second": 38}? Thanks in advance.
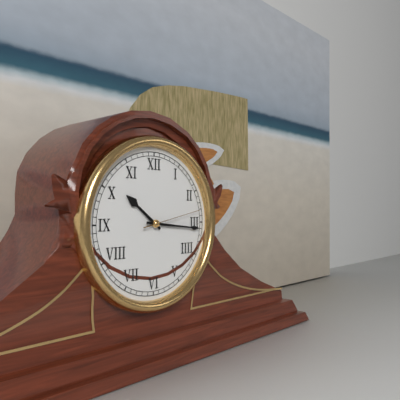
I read {"hour": 10, "minute": 16, "second": 13}
